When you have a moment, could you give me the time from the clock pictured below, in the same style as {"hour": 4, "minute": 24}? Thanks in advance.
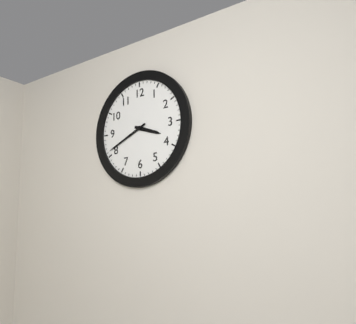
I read {"hour": 3, "minute": 41}
